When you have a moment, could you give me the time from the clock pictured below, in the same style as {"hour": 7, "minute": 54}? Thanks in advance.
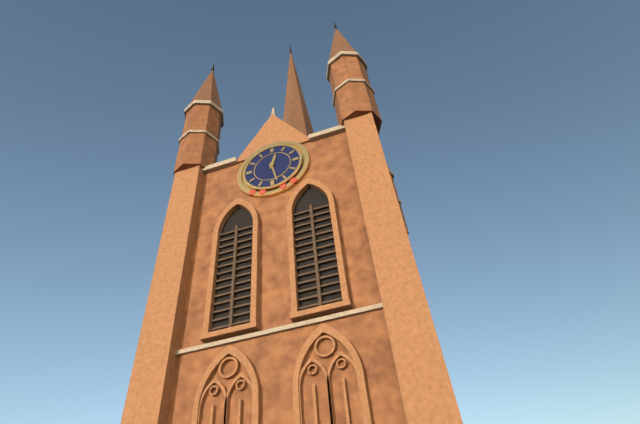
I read {"hour": 12, "minute": 28}
